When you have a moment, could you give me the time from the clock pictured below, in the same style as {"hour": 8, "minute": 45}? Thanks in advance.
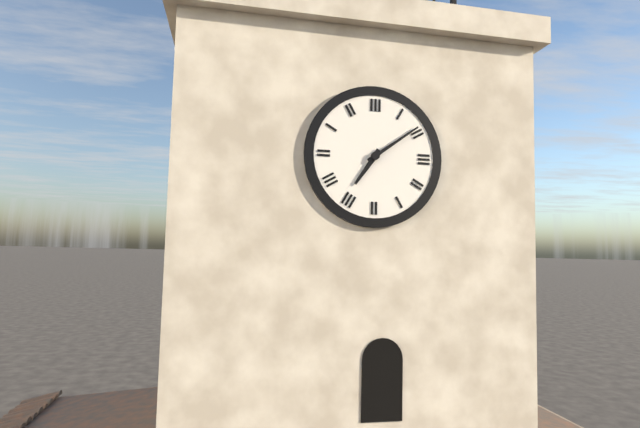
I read {"hour": 7, "minute": 9}
